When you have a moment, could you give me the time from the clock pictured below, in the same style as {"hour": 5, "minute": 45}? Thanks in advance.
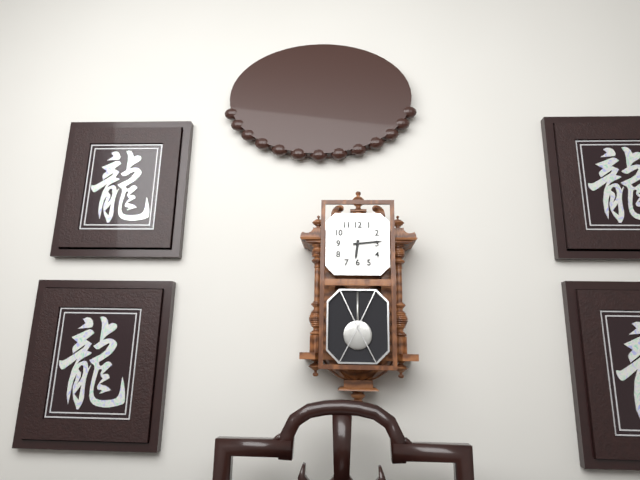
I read {"hour": 6, "minute": 14}
